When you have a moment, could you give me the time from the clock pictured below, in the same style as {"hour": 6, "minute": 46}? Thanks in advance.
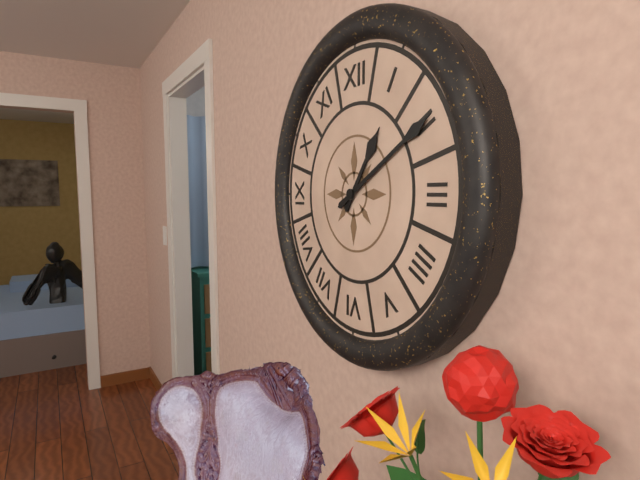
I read {"hour": 1, "minute": 10}
